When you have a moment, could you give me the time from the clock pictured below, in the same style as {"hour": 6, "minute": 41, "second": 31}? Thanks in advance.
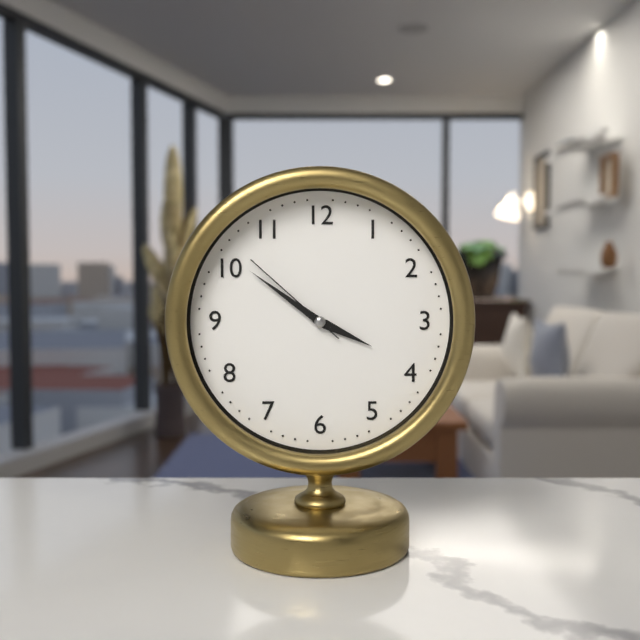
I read {"hour": 3, "minute": 51, "second": 52}
